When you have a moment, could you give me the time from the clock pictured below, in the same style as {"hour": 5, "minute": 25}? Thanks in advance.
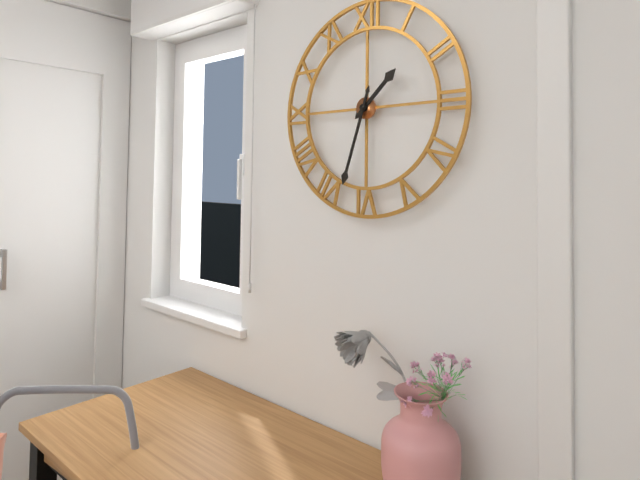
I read {"hour": 1, "minute": 33}
